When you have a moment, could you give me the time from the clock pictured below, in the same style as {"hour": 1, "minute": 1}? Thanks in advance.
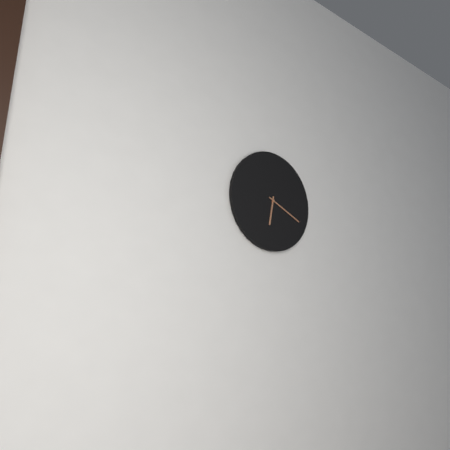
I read {"hour": 6, "minute": 19}
